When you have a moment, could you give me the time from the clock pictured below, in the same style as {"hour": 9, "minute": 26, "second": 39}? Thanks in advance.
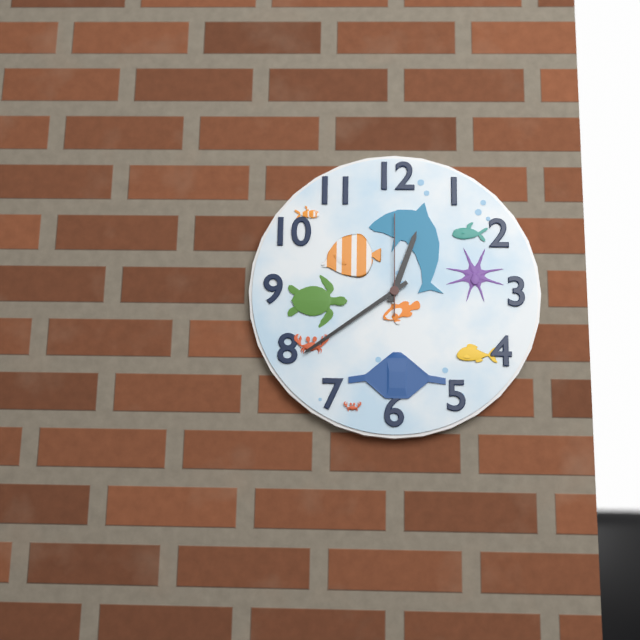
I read {"hour": 12, "minute": 39, "second": 0}
